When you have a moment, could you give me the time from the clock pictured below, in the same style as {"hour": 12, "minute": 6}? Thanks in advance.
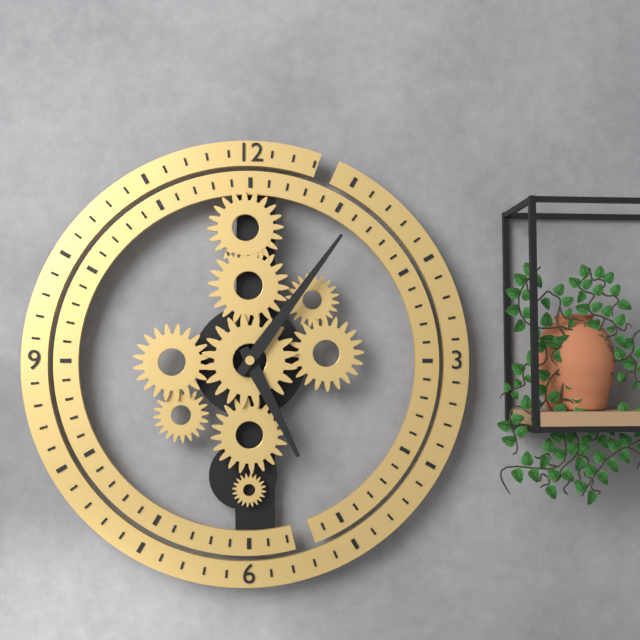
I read {"hour": 5, "minute": 6}
